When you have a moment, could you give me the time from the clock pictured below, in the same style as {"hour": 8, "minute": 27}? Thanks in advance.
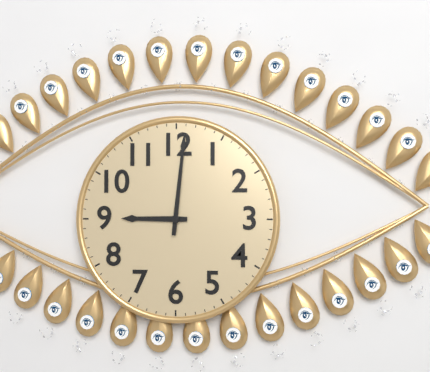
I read {"hour": 9, "minute": 1}
